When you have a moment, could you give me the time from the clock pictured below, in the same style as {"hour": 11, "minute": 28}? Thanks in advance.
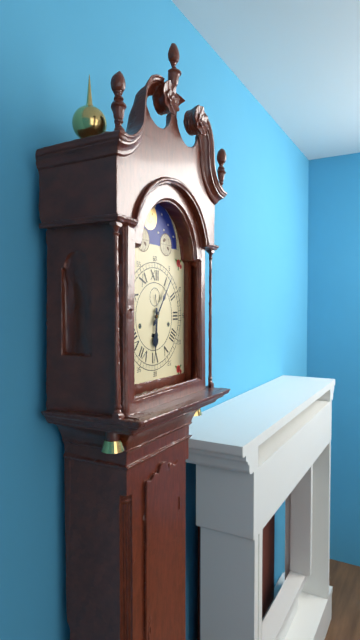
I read {"hour": 6, "minute": 6}
